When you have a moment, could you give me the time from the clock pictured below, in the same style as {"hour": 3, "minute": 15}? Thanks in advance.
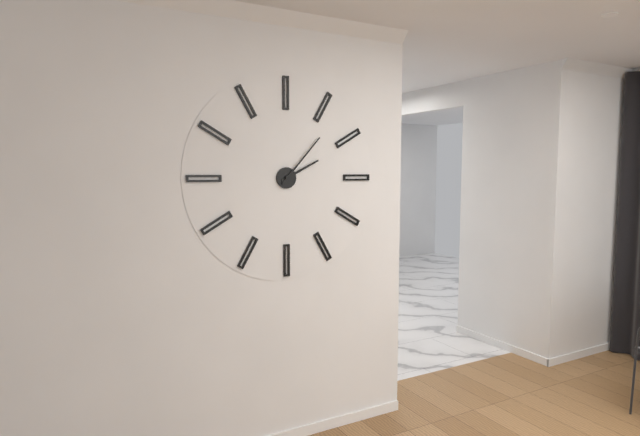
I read {"hour": 2, "minute": 7}
